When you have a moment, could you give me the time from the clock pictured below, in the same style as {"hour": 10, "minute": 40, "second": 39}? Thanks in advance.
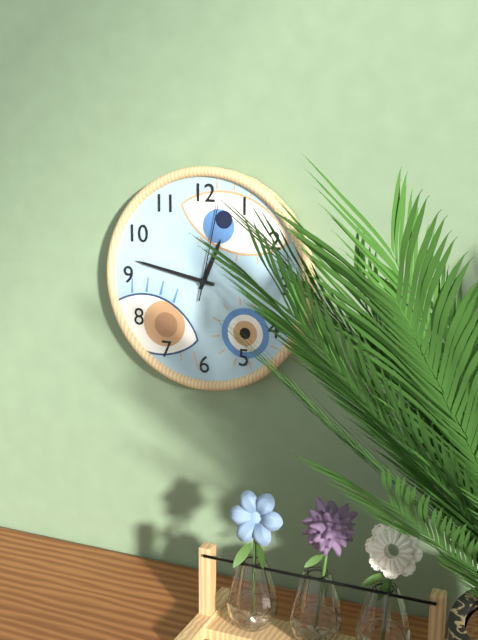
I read {"hour": 12, "minute": 47, "second": 2}
